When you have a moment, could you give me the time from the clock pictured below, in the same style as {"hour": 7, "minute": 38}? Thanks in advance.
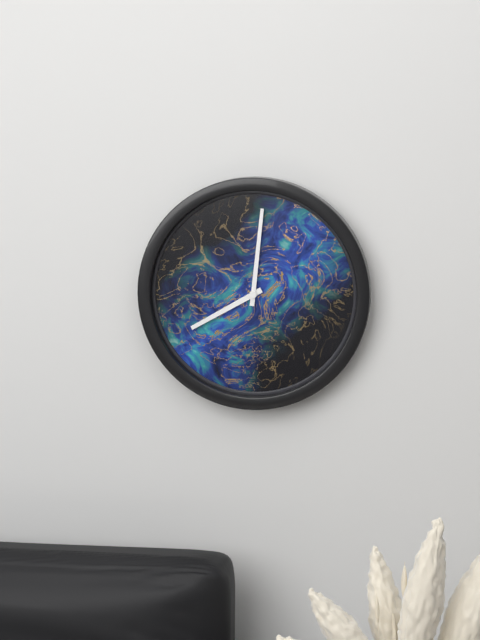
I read {"hour": 8, "minute": 1}
